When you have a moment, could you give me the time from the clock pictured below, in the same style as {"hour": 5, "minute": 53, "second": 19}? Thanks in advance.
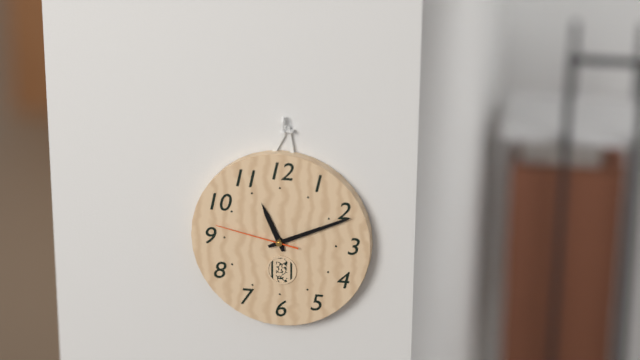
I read {"hour": 11, "minute": 11, "second": 47}
